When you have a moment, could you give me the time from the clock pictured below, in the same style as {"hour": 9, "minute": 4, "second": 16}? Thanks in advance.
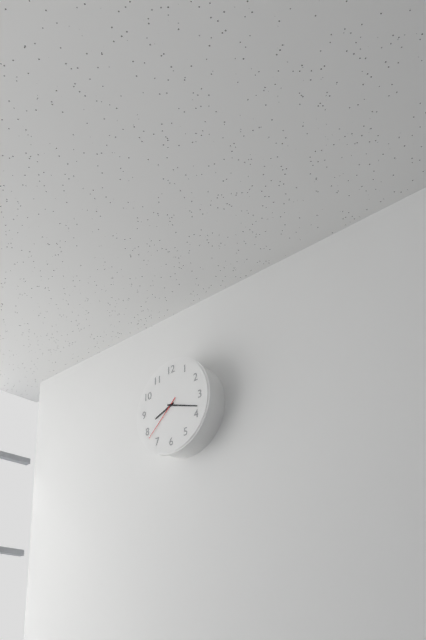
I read {"hour": 8, "minute": 18, "second": 38}
